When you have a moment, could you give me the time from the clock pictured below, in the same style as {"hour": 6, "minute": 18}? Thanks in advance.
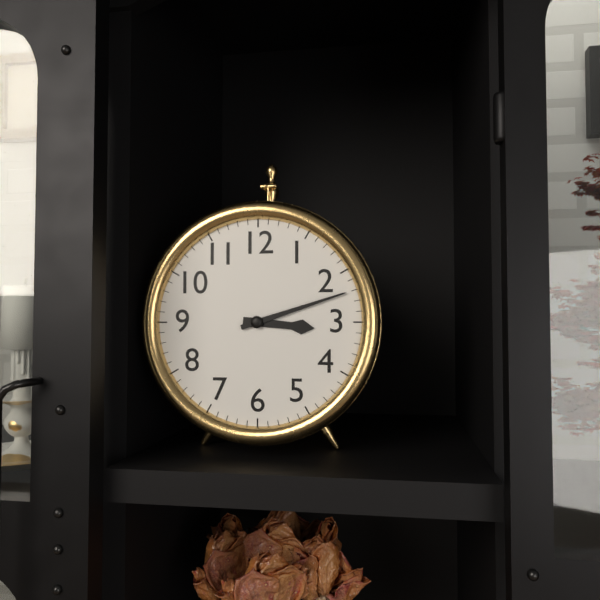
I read {"hour": 3, "minute": 12}
